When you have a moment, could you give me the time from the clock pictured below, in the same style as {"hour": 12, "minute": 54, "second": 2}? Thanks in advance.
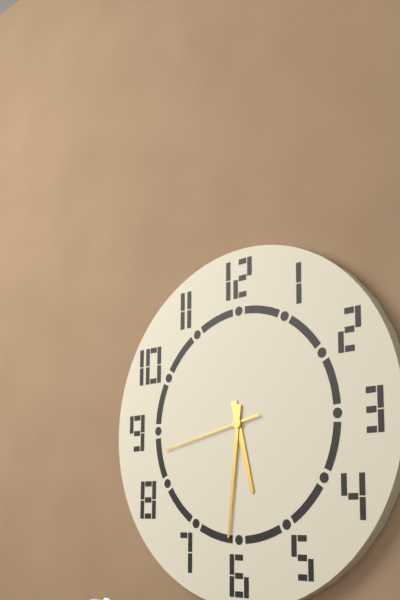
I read {"hour": 5, "minute": 31, "second": 43}
